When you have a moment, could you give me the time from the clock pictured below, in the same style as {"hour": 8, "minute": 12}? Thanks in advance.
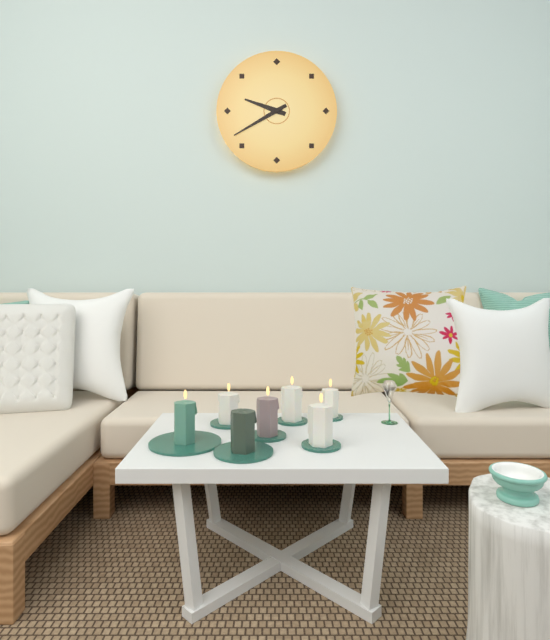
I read {"hour": 9, "minute": 40}
